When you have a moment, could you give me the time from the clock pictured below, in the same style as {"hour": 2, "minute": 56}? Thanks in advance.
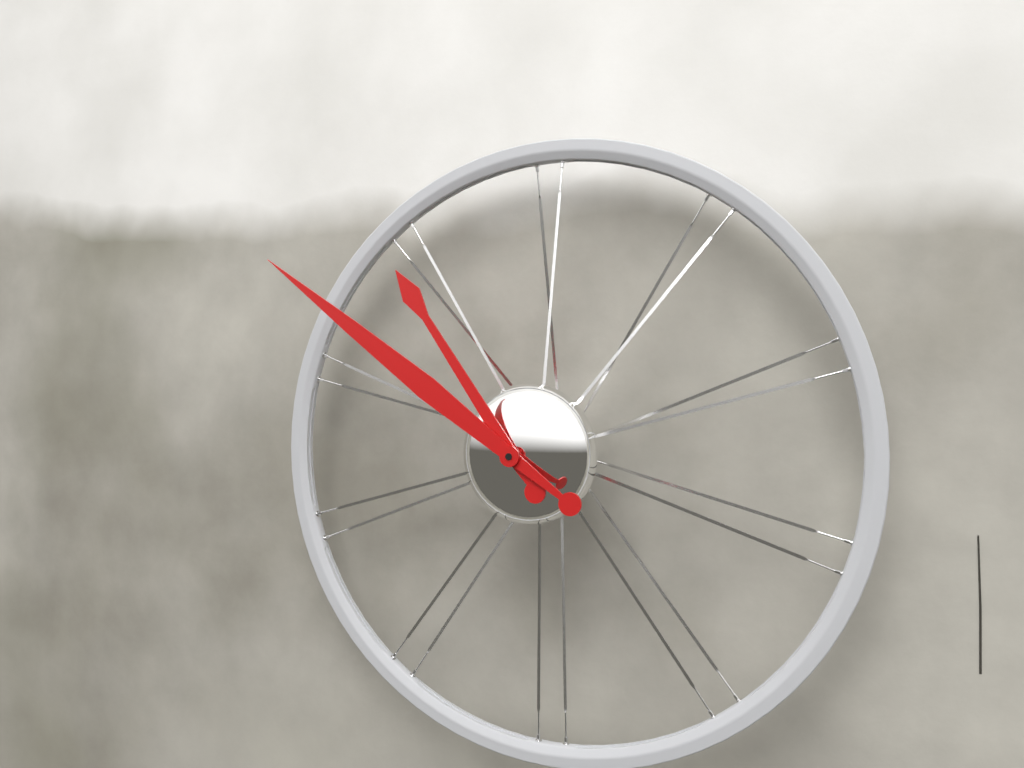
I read {"hour": 10, "minute": 51}
